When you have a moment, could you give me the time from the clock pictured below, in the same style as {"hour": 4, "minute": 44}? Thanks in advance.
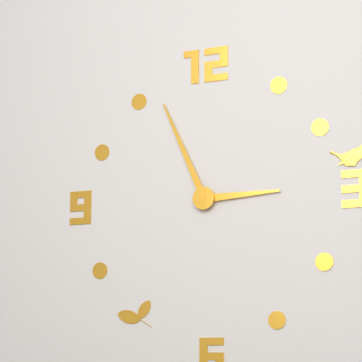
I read {"hour": 2, "minute": 56}
